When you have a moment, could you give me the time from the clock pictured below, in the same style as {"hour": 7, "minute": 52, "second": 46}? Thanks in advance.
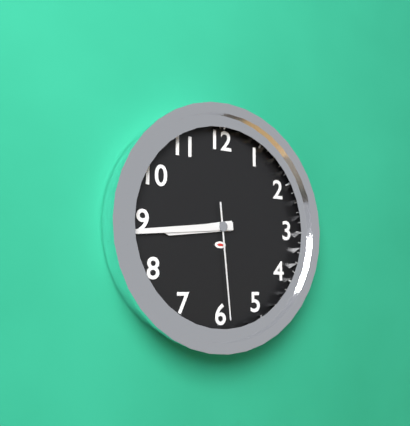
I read {"hour": 8, "minute": 44, "second": 29}
